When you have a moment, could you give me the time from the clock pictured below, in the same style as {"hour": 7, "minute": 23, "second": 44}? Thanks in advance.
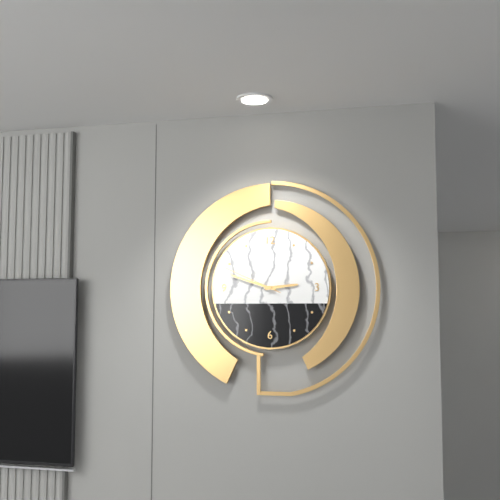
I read {"hour": 2, "minute": 48, "second": 49}
